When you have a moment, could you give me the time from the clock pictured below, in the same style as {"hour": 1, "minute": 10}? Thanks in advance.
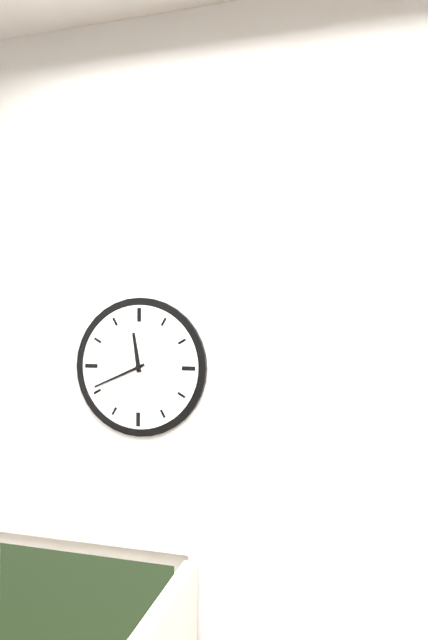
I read {"hour": 11, "minute": 41}
